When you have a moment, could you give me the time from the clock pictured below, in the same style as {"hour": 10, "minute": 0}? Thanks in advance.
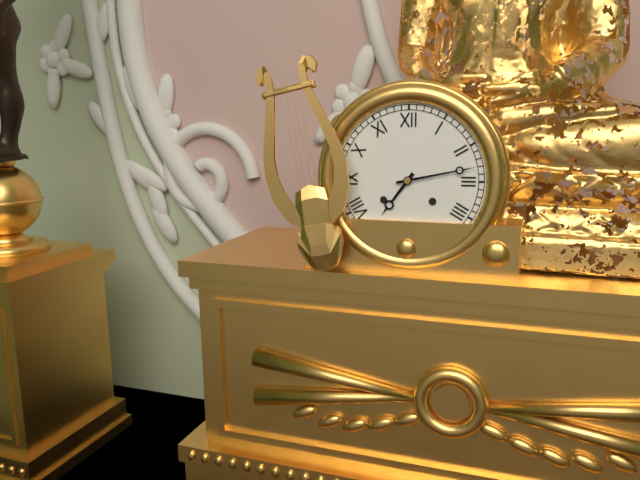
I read {"hour": 7, "minute": 13}
